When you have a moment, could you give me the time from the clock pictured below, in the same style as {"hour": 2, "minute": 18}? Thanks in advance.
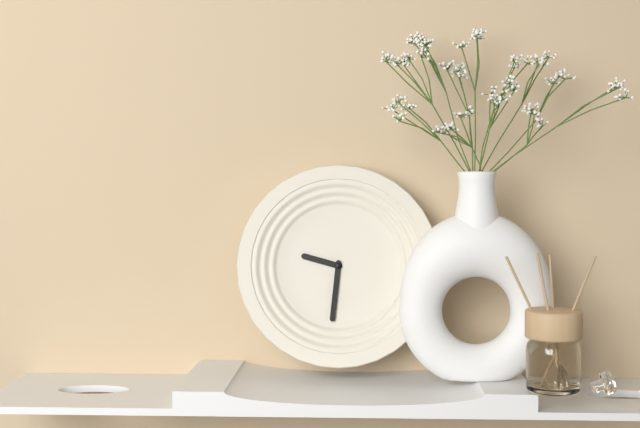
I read {"hour": 9, "minute": 31}
